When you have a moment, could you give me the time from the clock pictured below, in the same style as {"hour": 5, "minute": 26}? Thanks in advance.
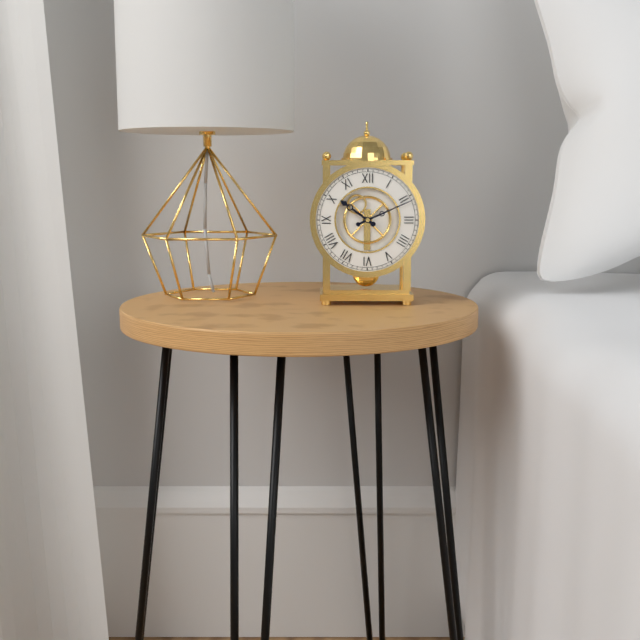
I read {"hour": 10, "minute": 11}
